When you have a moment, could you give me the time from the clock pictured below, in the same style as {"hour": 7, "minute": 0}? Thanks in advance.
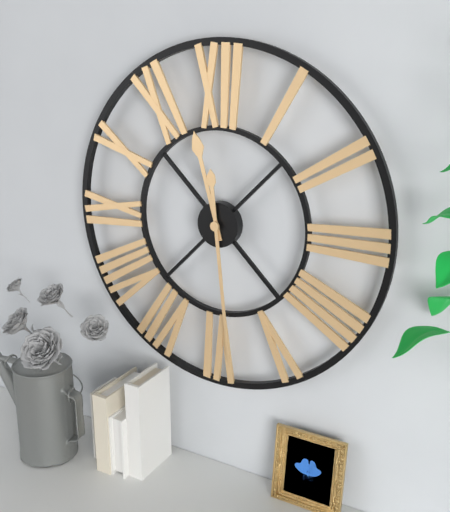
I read {"hour": 11, "minute": 29}
